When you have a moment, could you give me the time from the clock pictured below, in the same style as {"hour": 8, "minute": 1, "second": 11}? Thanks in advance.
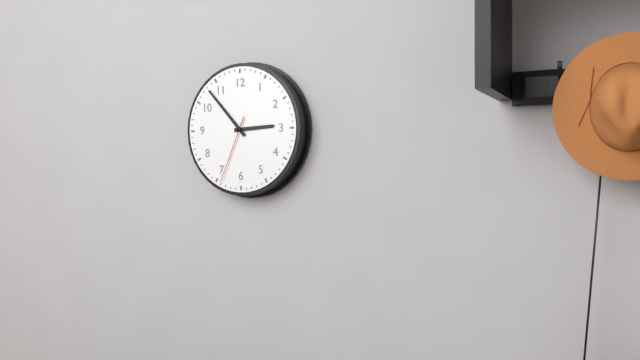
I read {"hour": 2, "minute": 53, "second": 34}
